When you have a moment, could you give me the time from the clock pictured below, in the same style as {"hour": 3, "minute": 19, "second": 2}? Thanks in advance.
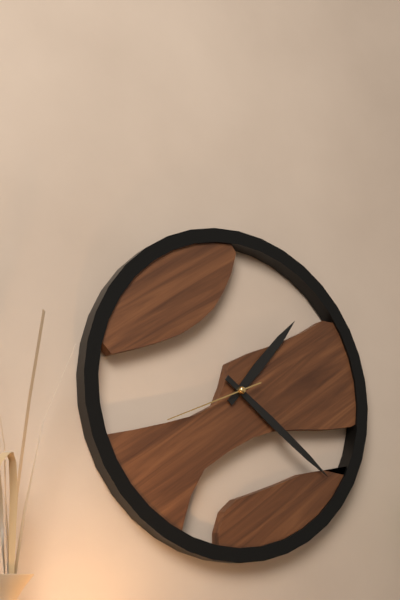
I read {"hour": 1, "minute": 21, "second": 41}
